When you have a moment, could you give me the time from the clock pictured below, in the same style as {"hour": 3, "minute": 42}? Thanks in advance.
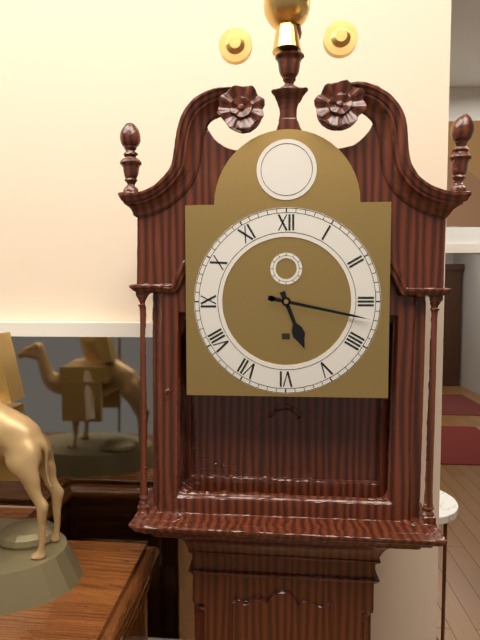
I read {"hour": 5, "minute": 17}
